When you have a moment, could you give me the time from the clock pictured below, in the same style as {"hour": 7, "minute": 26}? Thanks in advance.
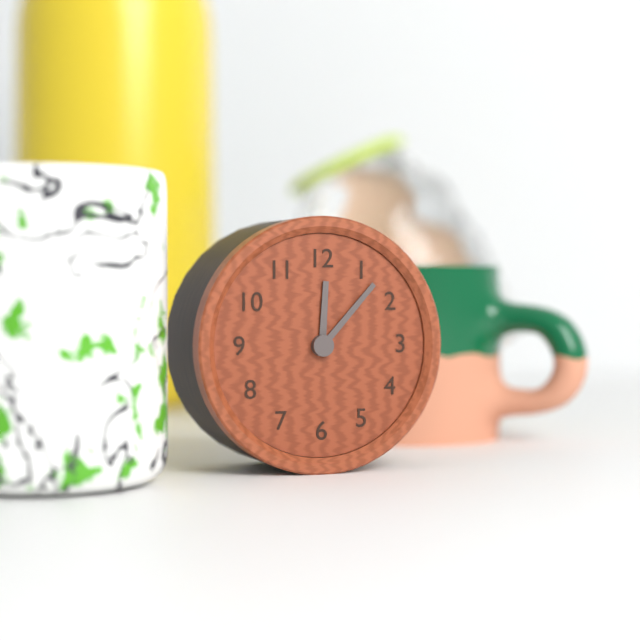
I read {"hour": 12, "minute": 7}
